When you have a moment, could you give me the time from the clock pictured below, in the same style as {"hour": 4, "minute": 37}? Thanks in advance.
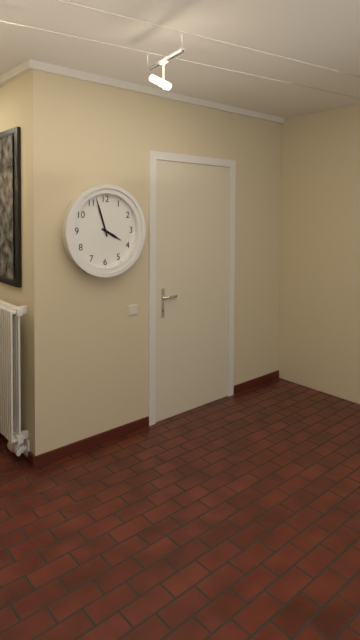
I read {"hour": 3, "minute": 57}
